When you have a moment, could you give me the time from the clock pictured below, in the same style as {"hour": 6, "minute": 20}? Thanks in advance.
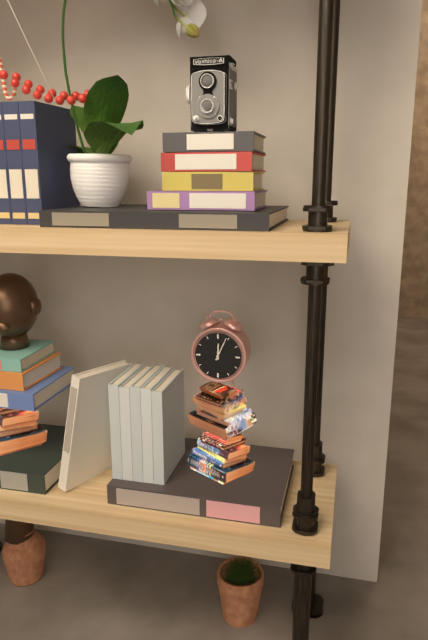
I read {"hour": 12, "minute": 4}
